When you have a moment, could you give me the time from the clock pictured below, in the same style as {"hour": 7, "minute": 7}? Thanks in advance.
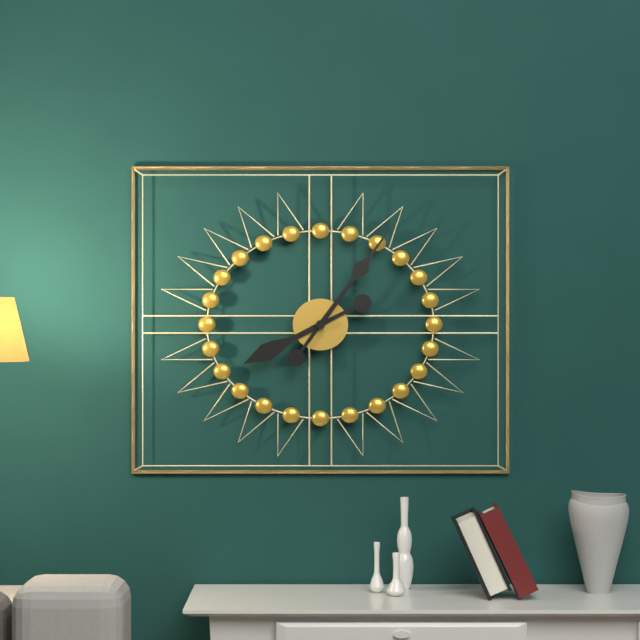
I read {"hour": 8, "minute": 6}
